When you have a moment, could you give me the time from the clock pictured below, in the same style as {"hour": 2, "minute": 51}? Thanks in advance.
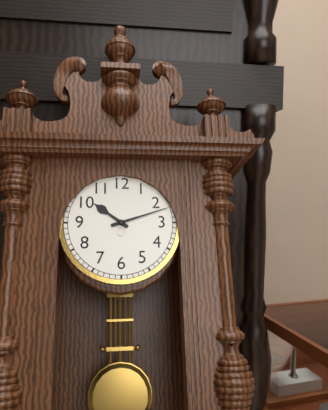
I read {"hour": 10, "minute": 12}
